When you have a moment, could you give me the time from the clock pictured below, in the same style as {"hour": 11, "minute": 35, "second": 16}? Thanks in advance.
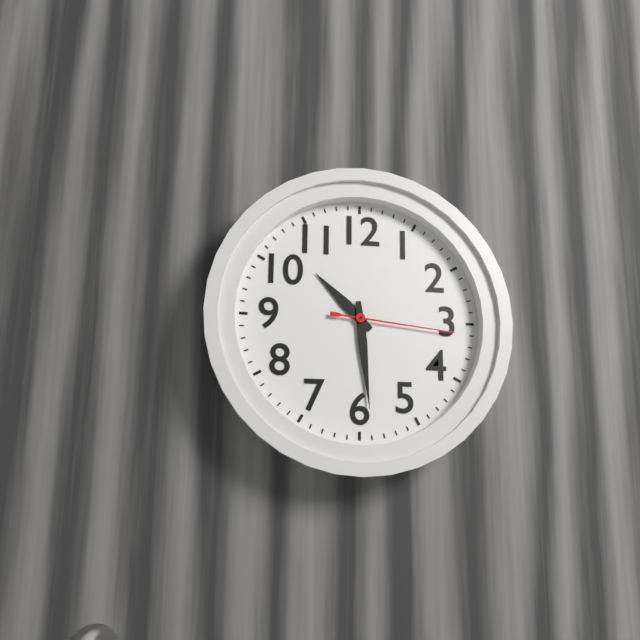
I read {"hour": 10, "minute": 29, "second": 16}
